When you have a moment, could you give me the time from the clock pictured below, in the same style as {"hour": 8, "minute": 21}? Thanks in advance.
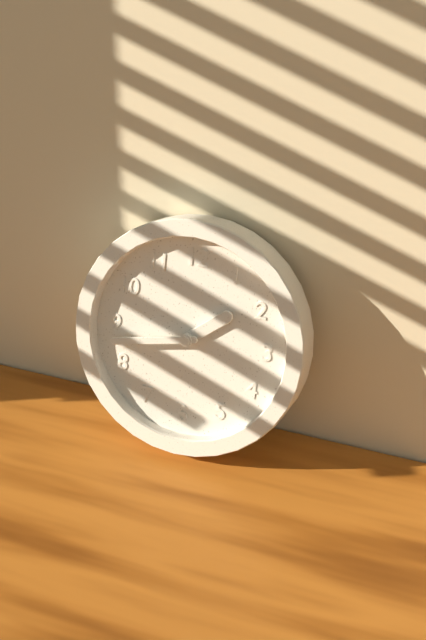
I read {"hour": 1, "minute": 43}
